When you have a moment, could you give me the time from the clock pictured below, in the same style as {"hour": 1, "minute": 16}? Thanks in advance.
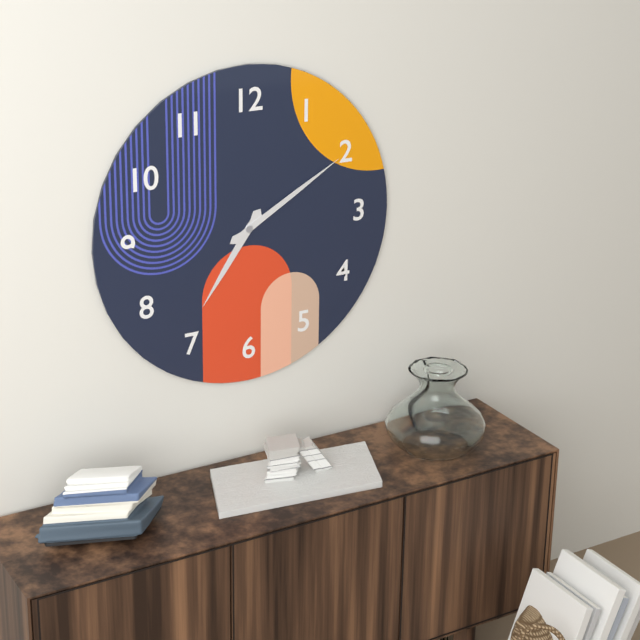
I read {"hour": 7, "minute": 10}
